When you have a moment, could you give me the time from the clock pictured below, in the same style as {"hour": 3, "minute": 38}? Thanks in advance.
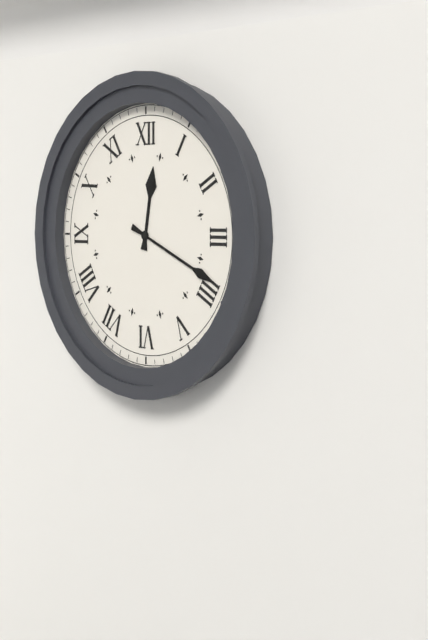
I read {"hour": 12, "minute": 19}
